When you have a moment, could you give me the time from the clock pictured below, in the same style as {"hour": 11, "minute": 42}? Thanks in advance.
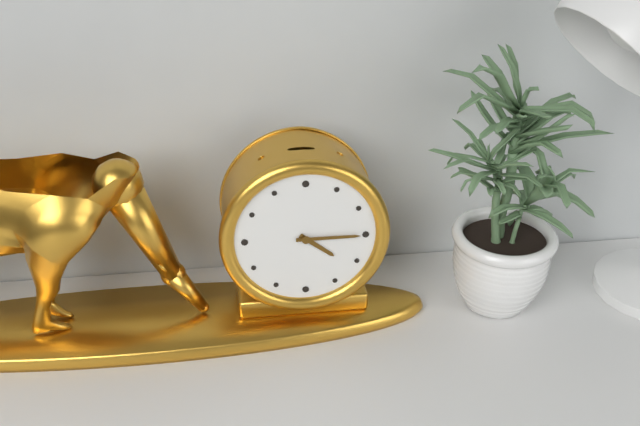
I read {"hour": 4, "minute": 15}
